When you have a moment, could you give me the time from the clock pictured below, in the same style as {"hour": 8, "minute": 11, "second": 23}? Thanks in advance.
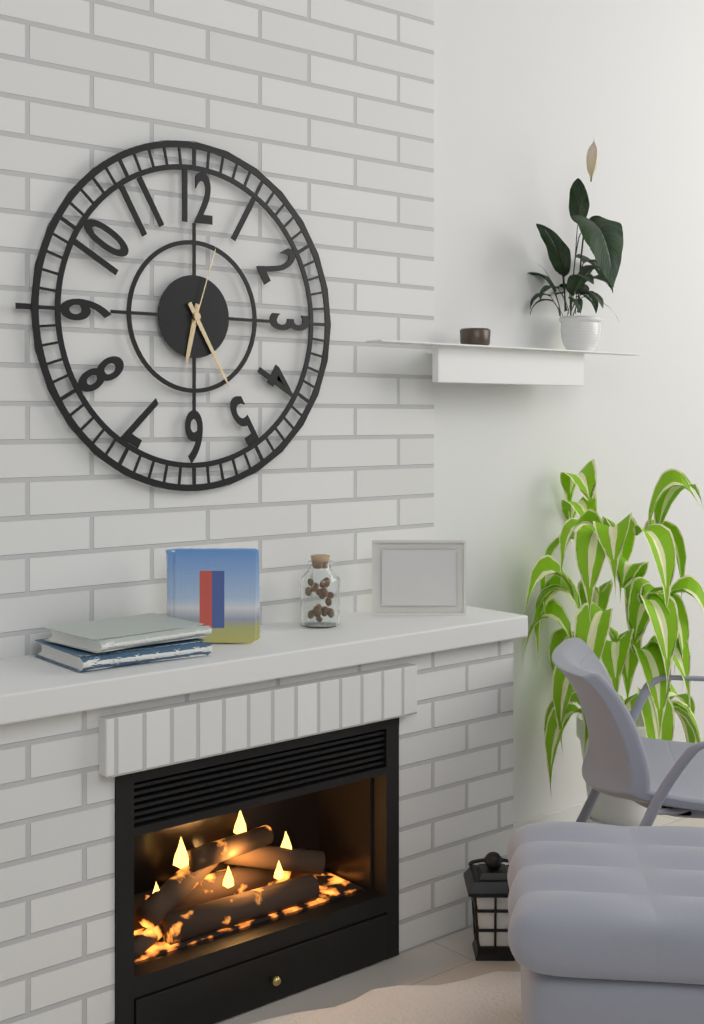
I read {"hour": 6, "minute": 25, "second": 3}
